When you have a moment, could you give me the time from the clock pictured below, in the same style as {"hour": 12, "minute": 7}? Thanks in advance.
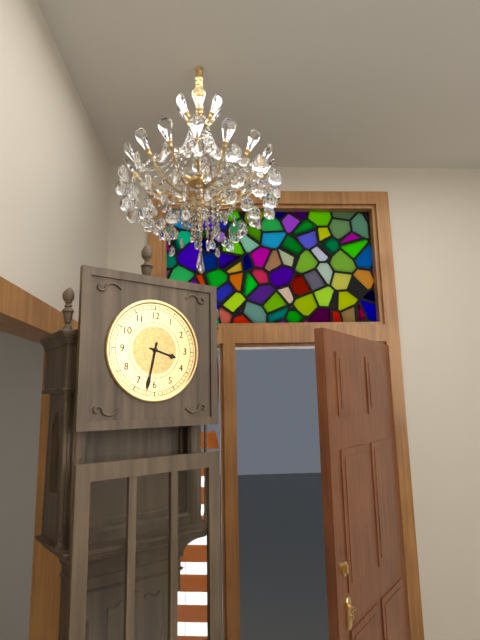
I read {"hour": 3, "minute": 32}
